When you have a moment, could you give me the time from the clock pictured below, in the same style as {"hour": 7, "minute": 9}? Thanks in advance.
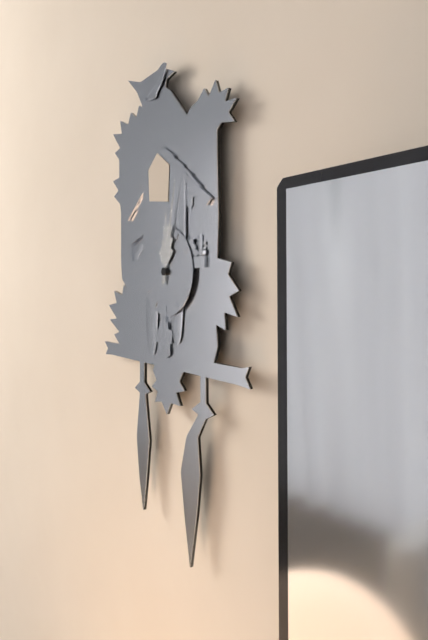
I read {"hour": 12, "minute": 2}
